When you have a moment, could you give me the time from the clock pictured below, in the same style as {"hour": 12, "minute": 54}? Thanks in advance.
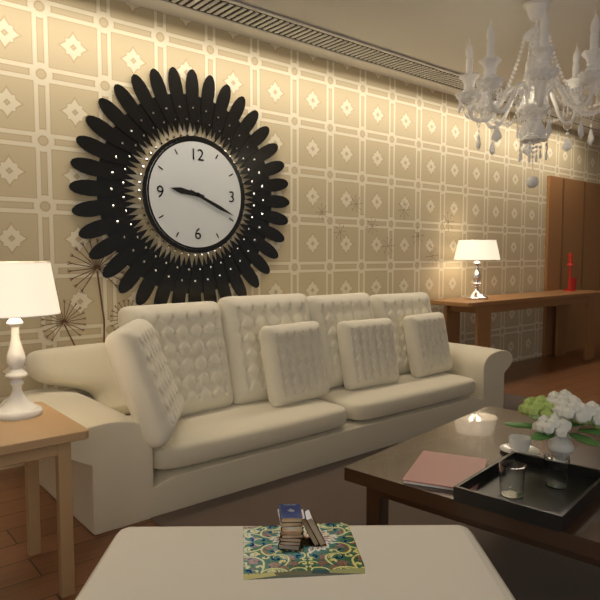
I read {"hour": 9, "minute": 19}
